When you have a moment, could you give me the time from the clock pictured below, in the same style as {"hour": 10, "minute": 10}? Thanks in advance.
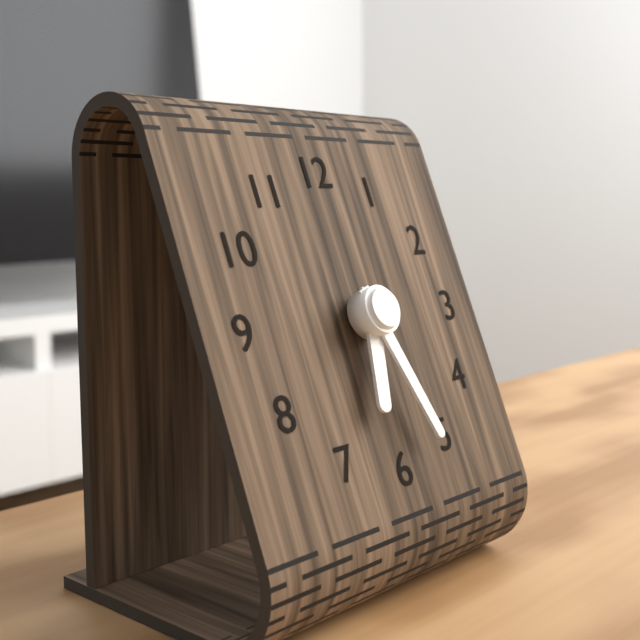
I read {"hour": 6, "minute": 27}
